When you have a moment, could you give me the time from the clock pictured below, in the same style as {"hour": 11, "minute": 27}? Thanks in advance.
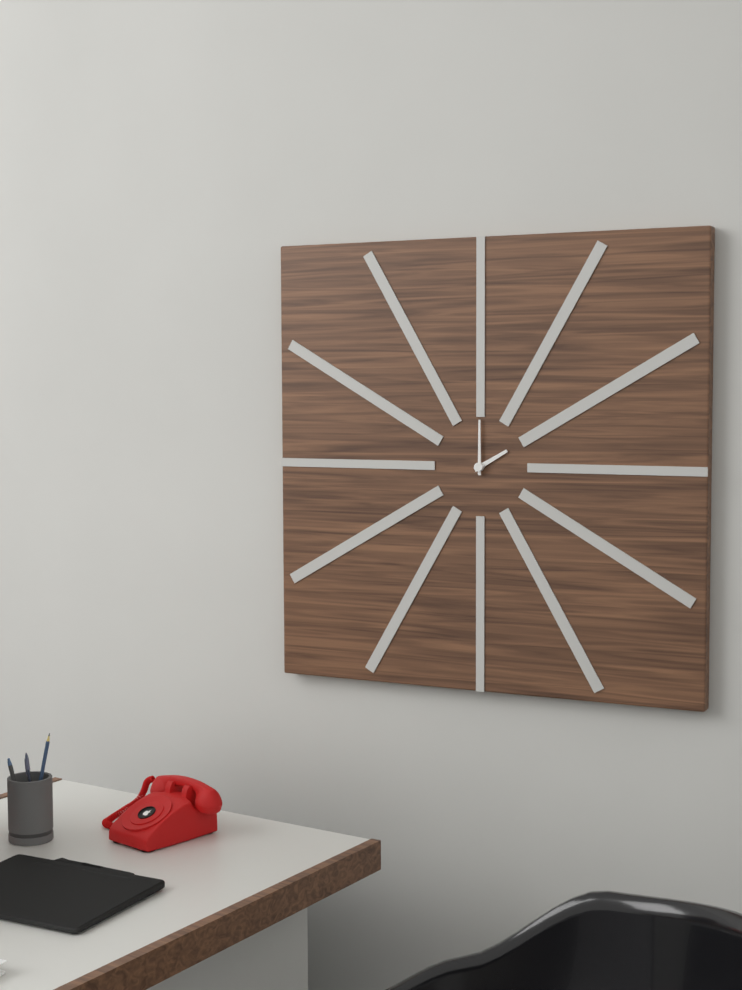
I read {"hour": 2, "minute": 0}
